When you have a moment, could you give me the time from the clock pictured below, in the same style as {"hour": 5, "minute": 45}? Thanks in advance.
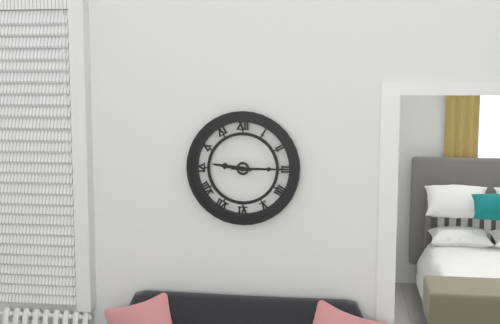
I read {"hour": 9, "minute": 15}
